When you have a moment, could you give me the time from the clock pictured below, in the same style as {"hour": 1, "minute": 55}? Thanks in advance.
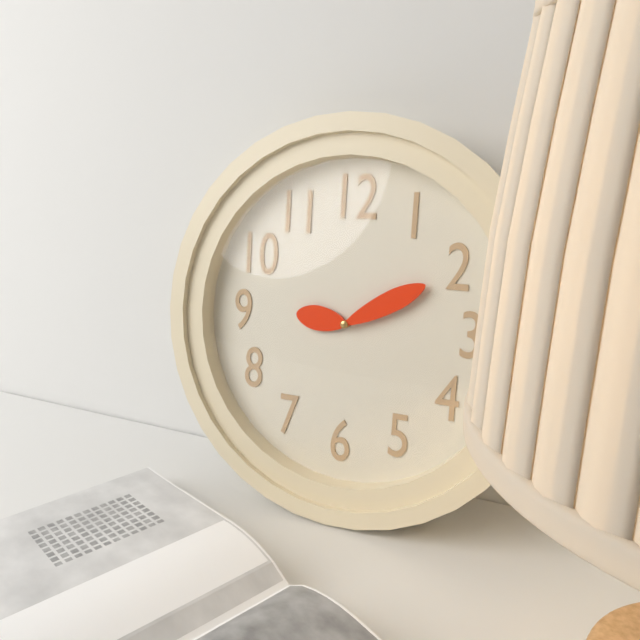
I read {"hour": 9, "minute": 10}
